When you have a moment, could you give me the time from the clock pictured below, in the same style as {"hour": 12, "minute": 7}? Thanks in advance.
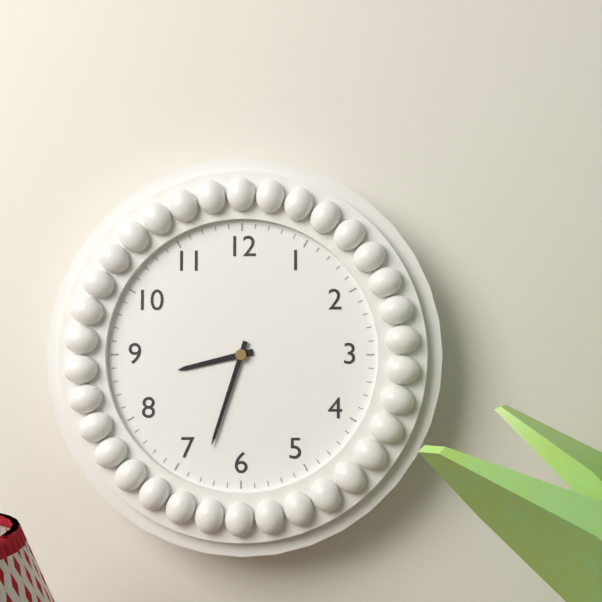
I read {"hour": 8, "minute": 33}
